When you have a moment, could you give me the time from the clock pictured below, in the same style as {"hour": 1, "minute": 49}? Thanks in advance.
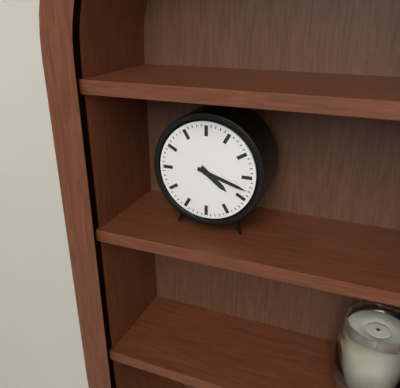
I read {"hour": 4, "minute": 18}
